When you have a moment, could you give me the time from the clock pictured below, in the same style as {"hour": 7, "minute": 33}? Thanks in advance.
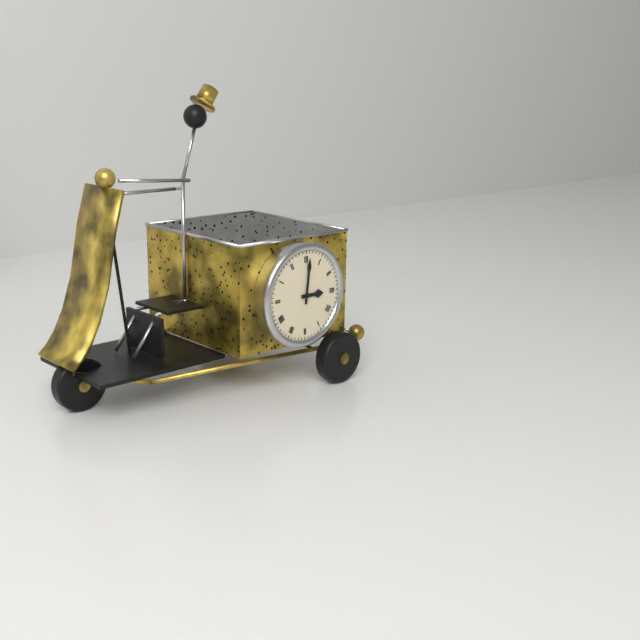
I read {"hour": 3, "minute": 1}
